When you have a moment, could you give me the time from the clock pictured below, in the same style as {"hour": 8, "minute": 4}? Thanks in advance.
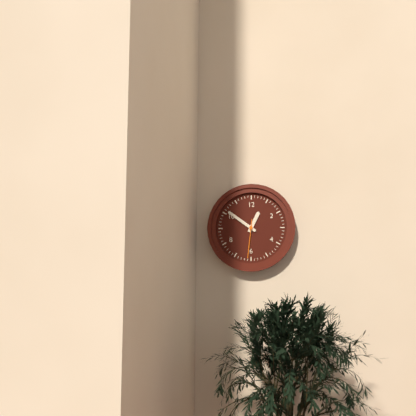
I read {"hour": 12, "minute": 51}
